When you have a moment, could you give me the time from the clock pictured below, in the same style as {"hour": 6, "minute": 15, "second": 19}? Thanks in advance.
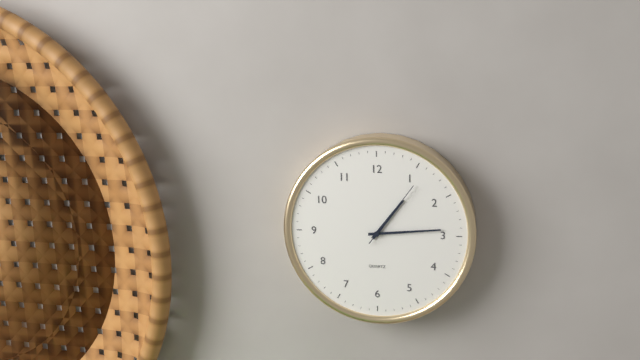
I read {"hour": 1, "minute": 14, "second": 6}
